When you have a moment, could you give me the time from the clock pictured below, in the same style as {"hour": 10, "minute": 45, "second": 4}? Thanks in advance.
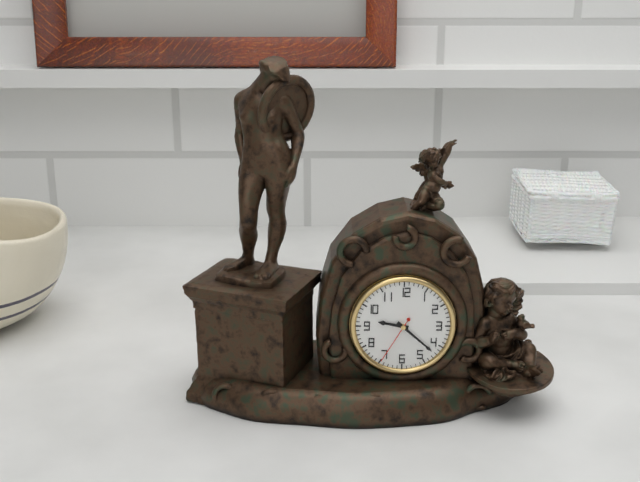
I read {"hour": 9, "minute": 22, "second": 35}
